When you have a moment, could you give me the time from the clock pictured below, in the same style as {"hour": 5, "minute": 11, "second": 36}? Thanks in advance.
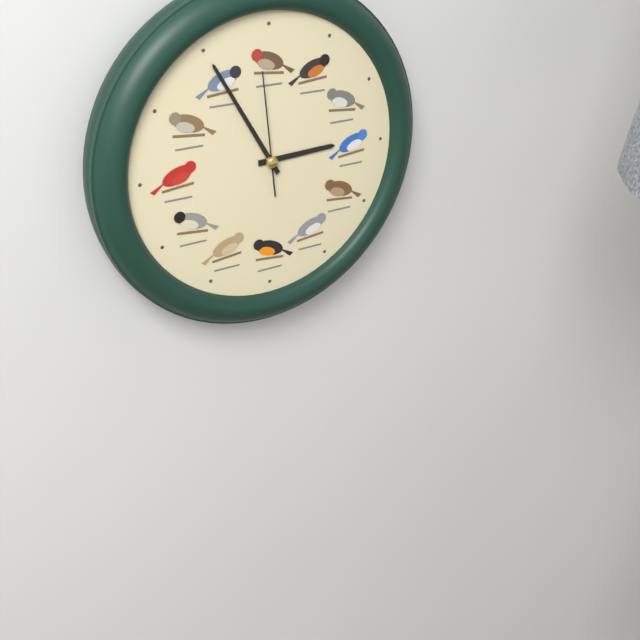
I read {"hour": 2, "minute": 55, "second": 59}
